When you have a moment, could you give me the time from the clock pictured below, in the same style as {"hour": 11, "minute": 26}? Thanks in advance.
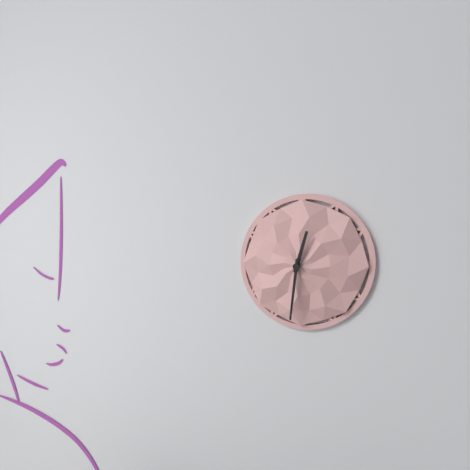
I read {"hour": 12, "minute": 31}
